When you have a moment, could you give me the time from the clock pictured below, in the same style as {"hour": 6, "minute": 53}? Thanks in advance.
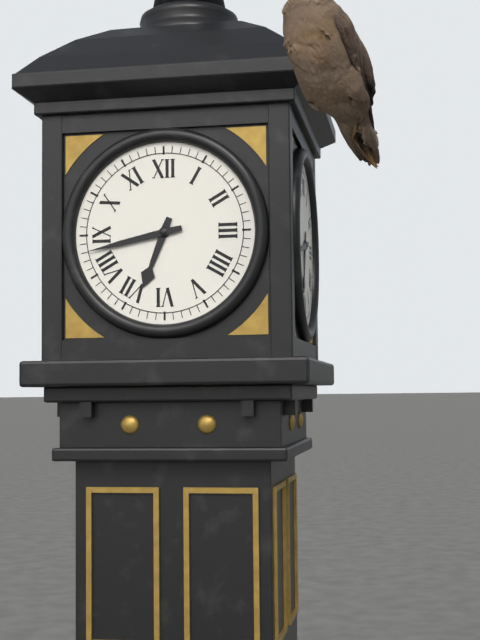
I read {"hour": 6, "minute": 43}
